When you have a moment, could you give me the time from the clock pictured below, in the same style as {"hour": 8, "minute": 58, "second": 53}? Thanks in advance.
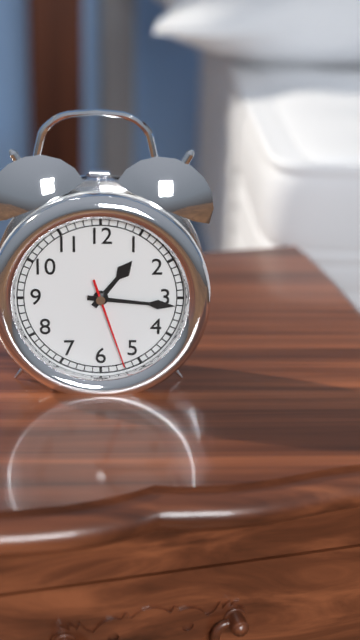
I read {"hour": 1, "minute": 16, "second": 27}
